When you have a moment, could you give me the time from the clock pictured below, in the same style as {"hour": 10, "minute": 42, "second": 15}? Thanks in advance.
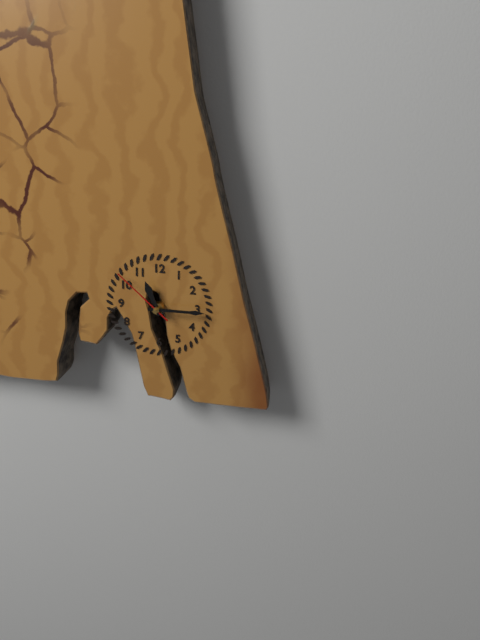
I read {"hour": 11, "minute": 15, "second": 52}
